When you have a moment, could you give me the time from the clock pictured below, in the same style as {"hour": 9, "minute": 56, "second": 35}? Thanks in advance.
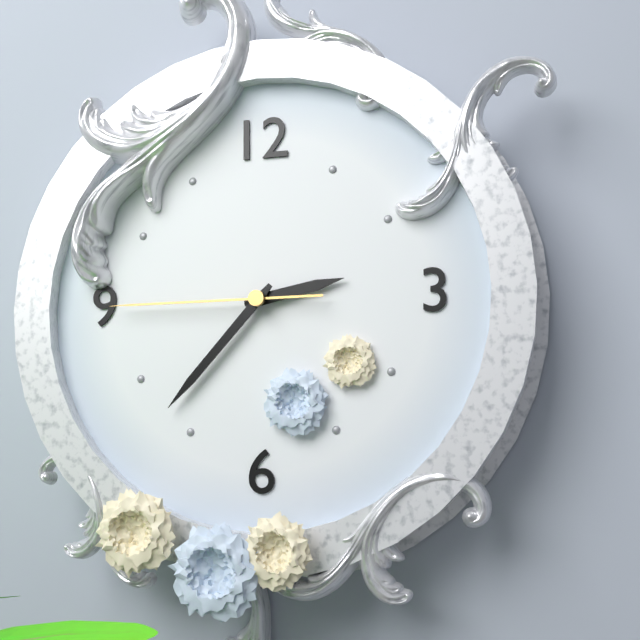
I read {"hour": 2, "minute": 37, "second": 45}
